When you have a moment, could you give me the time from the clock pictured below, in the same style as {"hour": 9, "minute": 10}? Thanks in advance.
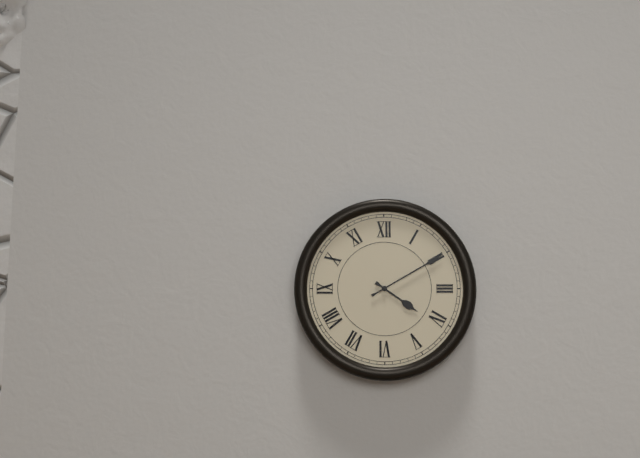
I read {"hour": 4, "minute": 10}
